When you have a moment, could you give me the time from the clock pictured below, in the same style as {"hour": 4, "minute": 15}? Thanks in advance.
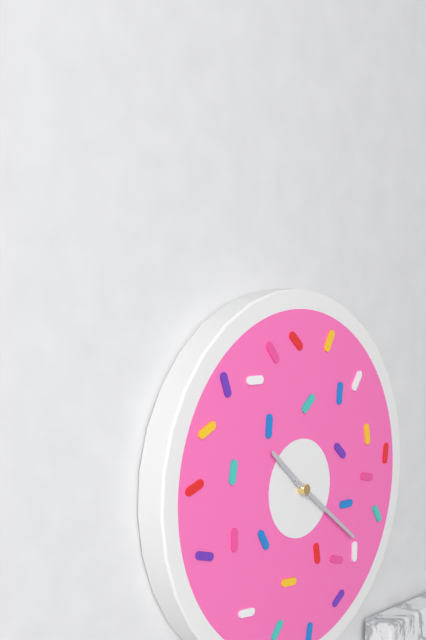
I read {"hour": 10, "minute": 21}
